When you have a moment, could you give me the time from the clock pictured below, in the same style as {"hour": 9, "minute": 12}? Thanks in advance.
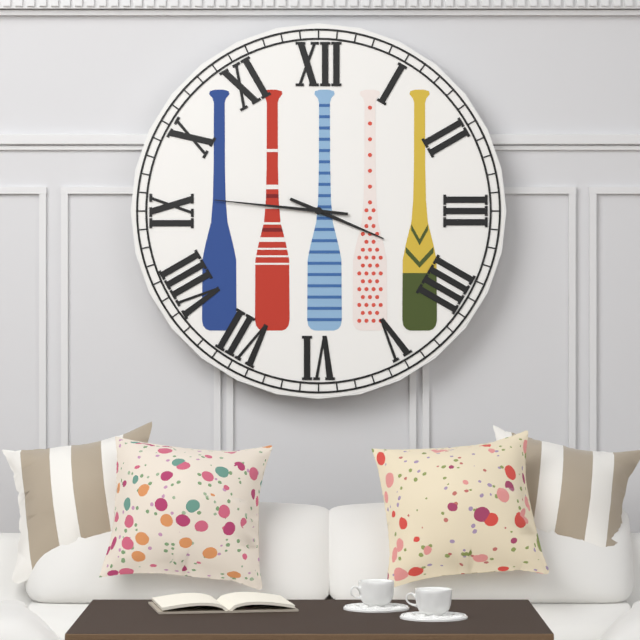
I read {"hour": 3, "minute": 46}
